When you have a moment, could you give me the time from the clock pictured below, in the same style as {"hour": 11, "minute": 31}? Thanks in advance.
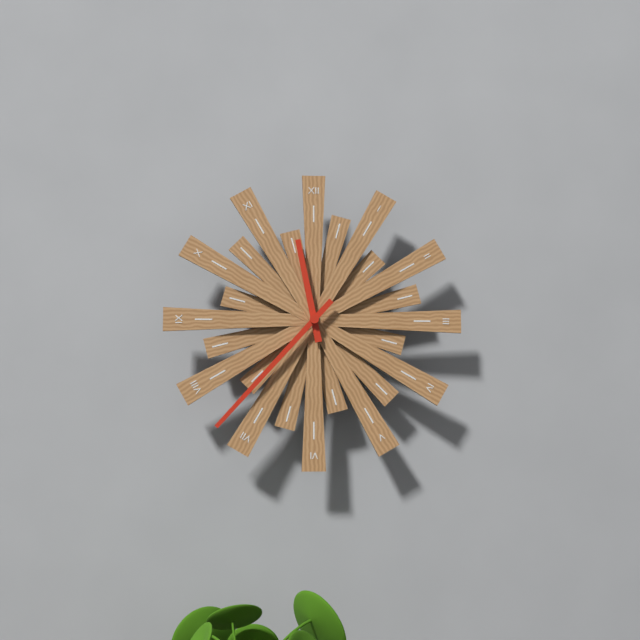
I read {"hour": 11, "minute": 37}
